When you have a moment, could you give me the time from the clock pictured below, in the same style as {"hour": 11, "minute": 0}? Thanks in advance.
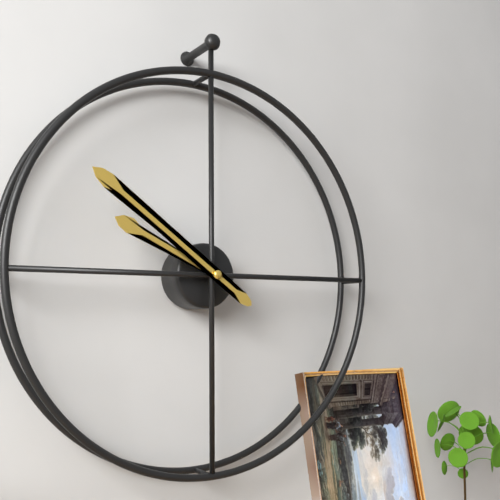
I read {"hour": 9, "minute": 51}
